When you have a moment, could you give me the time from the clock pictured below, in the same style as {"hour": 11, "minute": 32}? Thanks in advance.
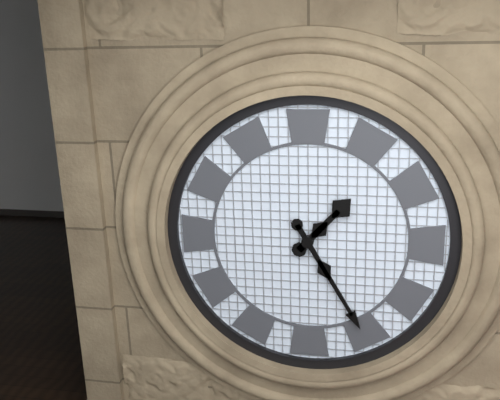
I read {"hour": 1, "minute": 25}
